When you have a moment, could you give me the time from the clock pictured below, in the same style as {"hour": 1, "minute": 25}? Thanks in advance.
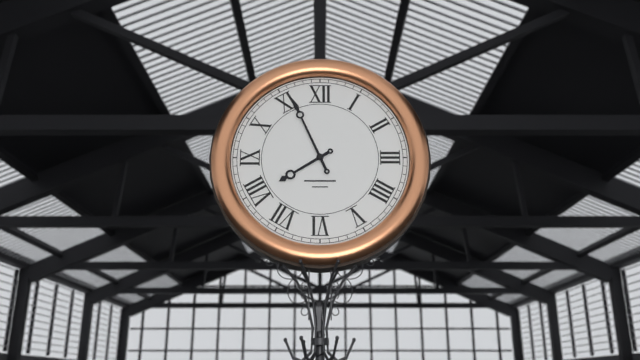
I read {"hour": 7, "minute": 56}
